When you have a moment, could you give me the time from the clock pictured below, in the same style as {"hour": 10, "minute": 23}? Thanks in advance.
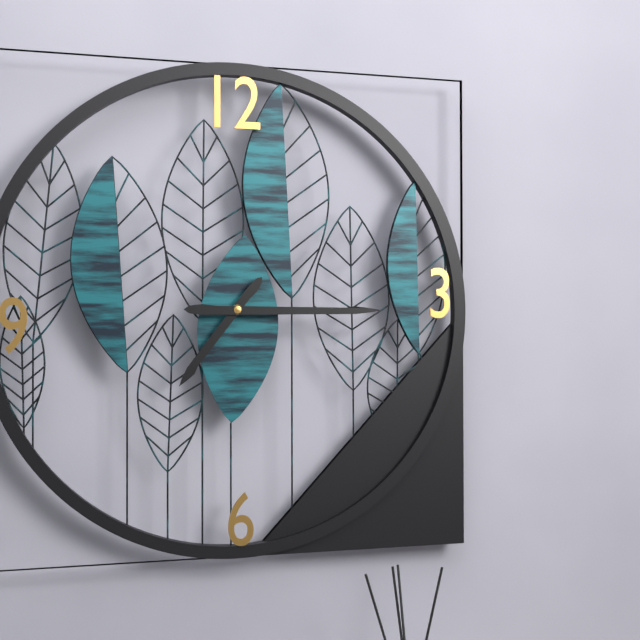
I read {"hour": 7, "minute": 15}
